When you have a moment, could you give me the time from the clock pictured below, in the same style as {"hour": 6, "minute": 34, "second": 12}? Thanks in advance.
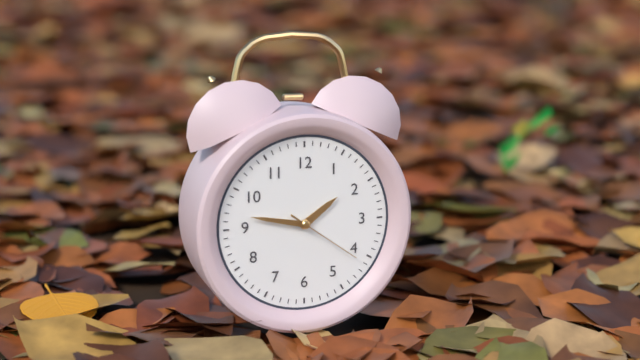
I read {"hour": 1, "minute": 47, "second": 21}
